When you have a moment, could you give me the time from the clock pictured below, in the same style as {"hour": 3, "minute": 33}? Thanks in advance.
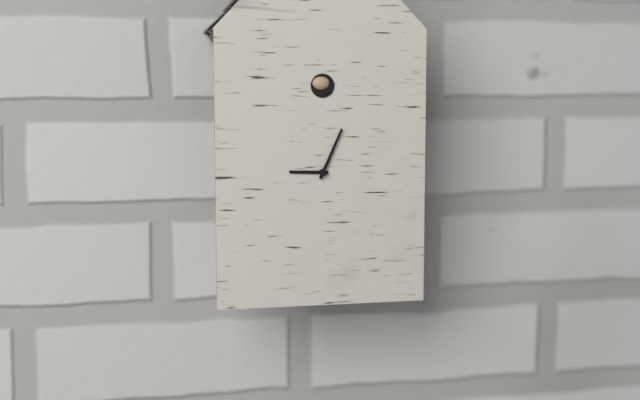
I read {"hour": 9, "minute": 4}
